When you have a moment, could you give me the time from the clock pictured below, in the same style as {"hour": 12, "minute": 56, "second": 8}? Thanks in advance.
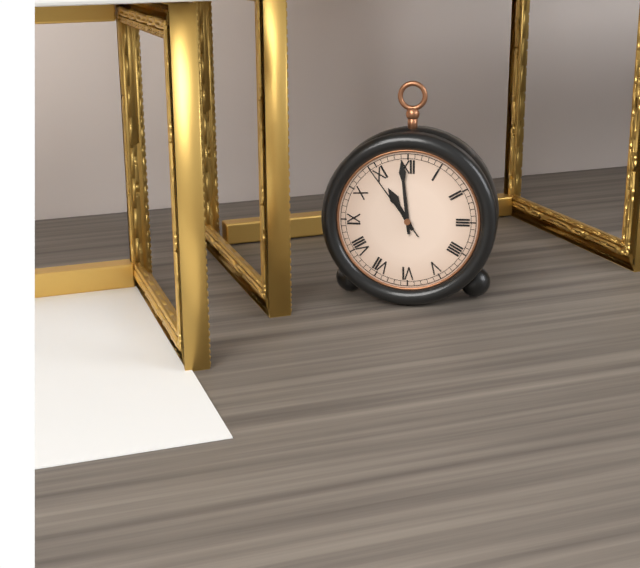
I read {"hour": 10, "minute": 59, "second": 54}
